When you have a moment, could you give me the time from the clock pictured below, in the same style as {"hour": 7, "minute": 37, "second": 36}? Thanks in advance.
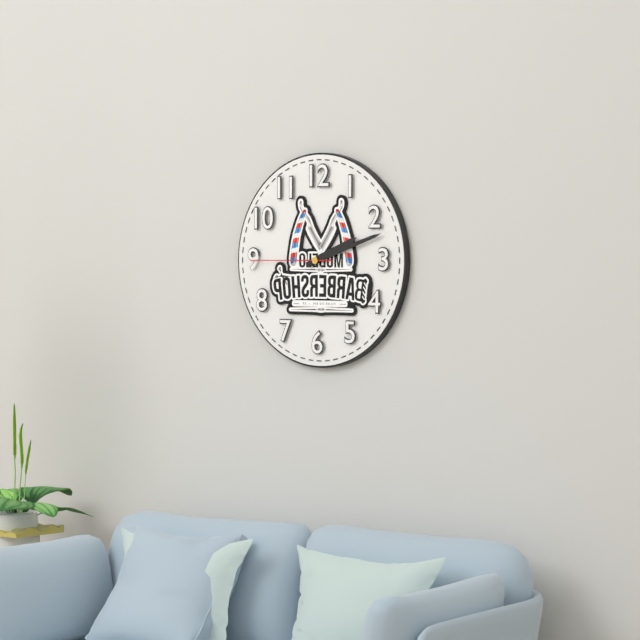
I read {"hour": 2, "minute": 12, "second": 45}
